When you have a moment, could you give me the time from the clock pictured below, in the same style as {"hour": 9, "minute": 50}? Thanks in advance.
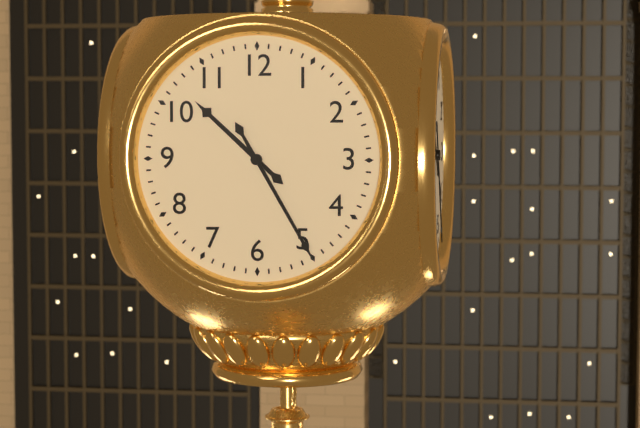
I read {"hour": 10, "minute": 25}
